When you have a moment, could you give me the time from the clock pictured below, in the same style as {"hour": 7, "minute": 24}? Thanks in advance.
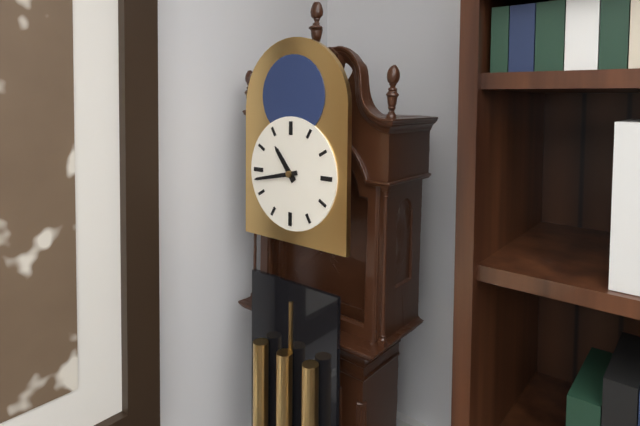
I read {"hour": 10, "minute": 43}
